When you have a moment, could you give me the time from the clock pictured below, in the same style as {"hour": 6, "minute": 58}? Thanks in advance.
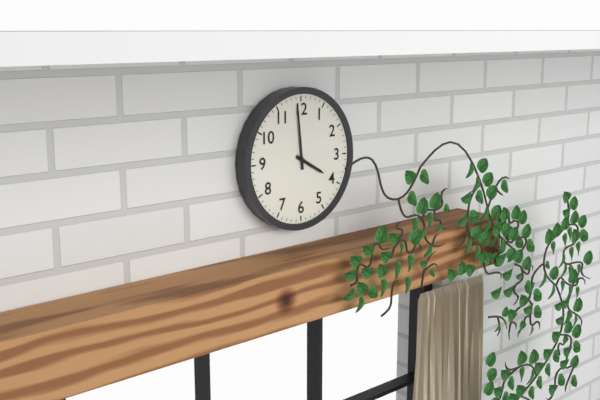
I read {"hour": 3, "minute": 59}
